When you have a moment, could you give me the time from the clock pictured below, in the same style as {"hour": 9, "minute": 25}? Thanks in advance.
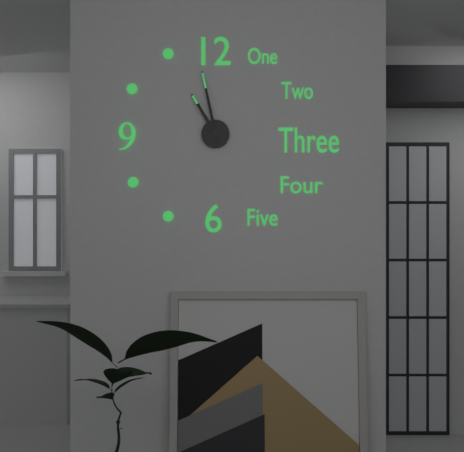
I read {"hour": 10, "minute": 58}
